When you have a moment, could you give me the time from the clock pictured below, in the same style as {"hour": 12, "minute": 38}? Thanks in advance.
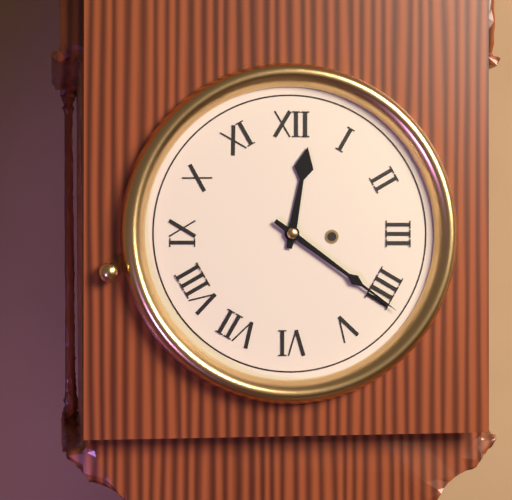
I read {"hour": 12, "minute": 21}
